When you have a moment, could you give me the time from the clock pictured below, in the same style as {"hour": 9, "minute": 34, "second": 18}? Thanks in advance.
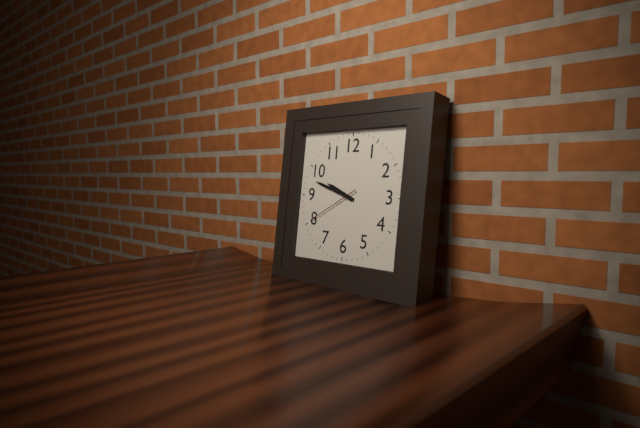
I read {"hour": 9, "minute": 48, "second": 40}
